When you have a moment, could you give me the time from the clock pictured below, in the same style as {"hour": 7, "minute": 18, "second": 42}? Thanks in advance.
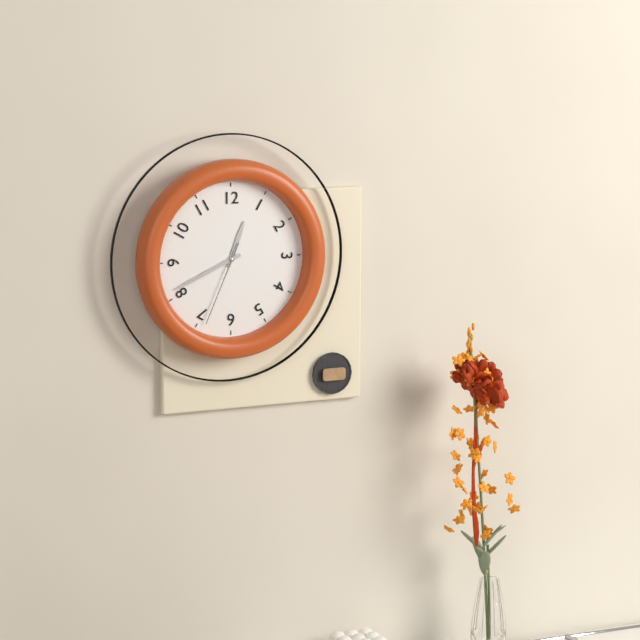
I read {"hour": 12, "minute": 41, "second": 34}
